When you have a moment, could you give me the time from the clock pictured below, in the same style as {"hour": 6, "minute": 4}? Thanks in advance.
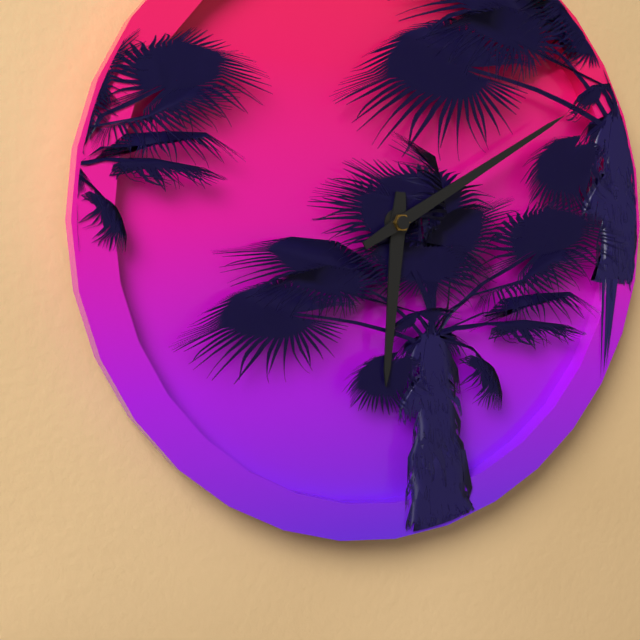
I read {"hour": 6, "minute": 10}
